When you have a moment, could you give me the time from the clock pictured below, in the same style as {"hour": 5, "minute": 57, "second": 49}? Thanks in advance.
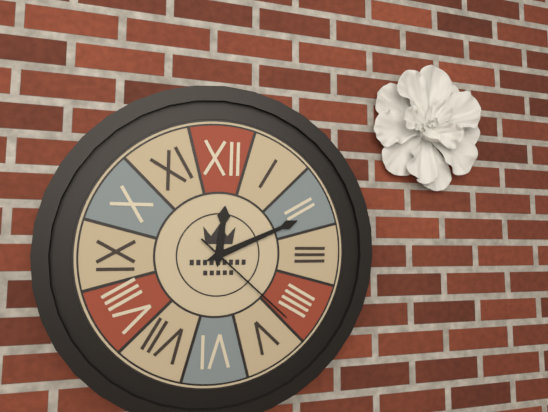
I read {"hour": 12, "minute": 11, "second": 22}
